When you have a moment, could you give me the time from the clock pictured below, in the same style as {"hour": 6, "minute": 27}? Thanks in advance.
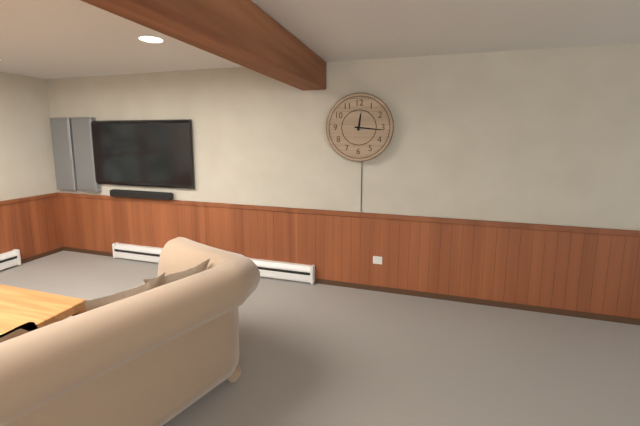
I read {"hour": 12, "minute": 16}
